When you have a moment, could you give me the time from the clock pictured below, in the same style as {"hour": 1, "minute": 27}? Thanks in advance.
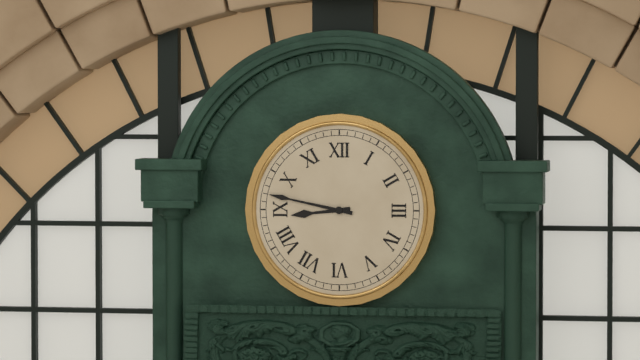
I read {"hour": 8, "minute": 47}
